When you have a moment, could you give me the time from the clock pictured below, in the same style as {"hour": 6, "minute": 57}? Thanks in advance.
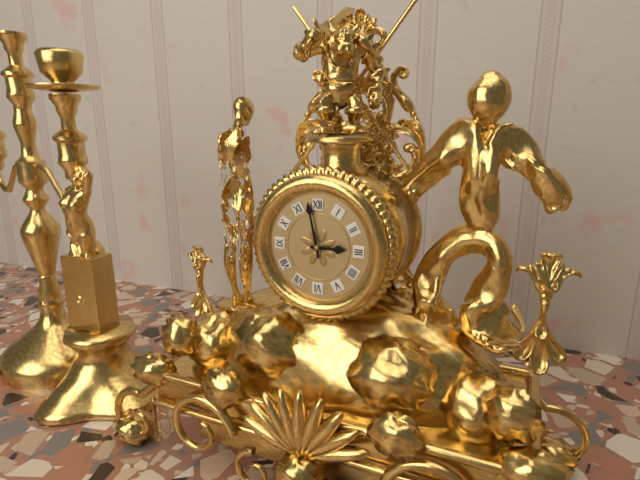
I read {"hour": 2, "minute": 58}
